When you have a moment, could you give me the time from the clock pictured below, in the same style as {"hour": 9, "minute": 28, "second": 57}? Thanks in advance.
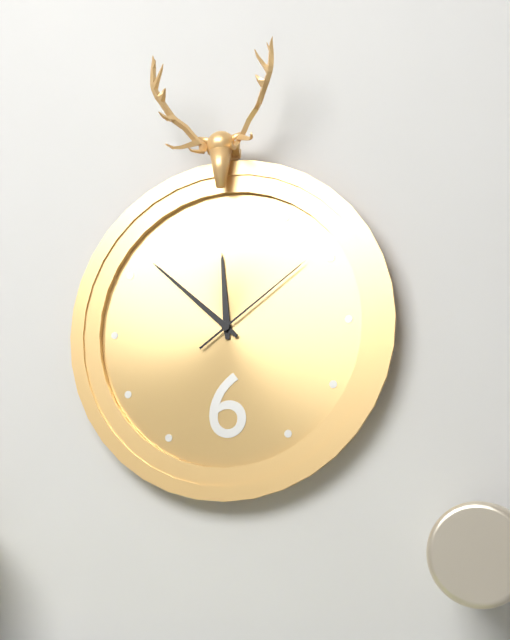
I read {"hour": 11, "minute": 52, "second": 9}
